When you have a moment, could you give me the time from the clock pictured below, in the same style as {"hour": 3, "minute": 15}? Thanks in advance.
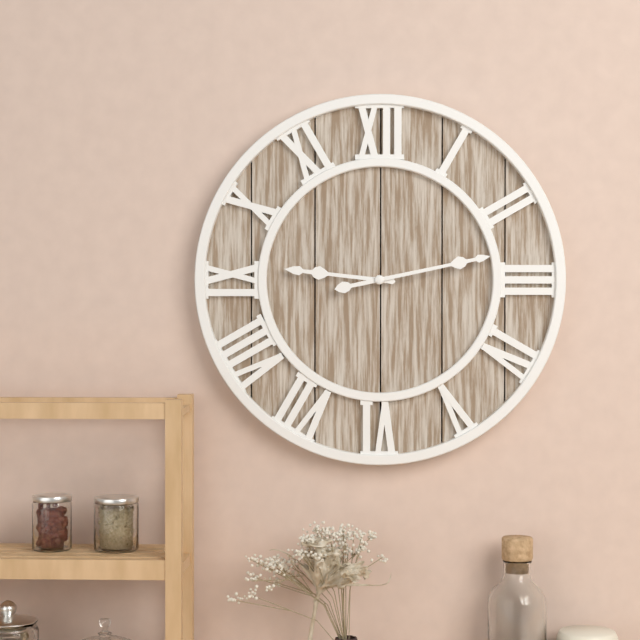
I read {"hour": 9, "minute": 13}
